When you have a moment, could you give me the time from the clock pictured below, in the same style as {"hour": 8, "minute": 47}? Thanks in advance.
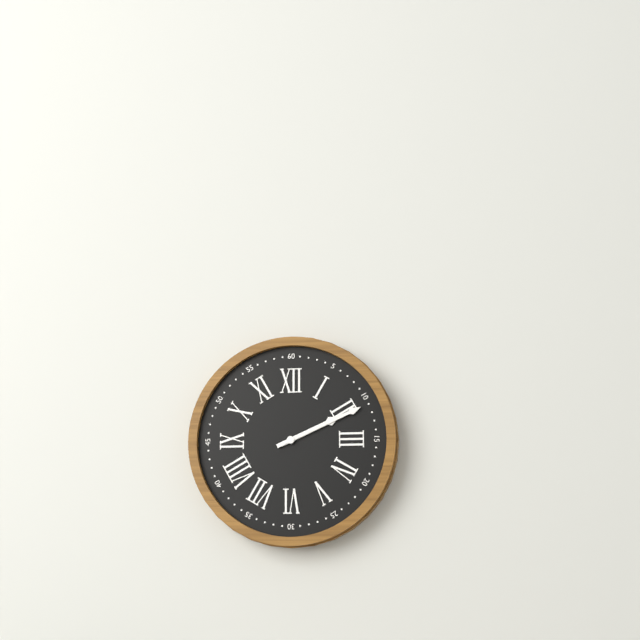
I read {"hour": 2, "minute": 11}
